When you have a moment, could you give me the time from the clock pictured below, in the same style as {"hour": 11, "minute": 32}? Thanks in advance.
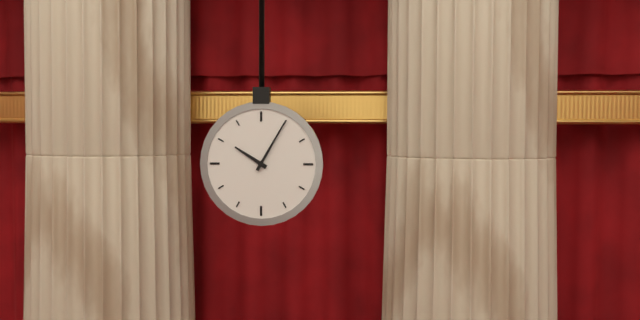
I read {"hour": 10, "minute": 5}
